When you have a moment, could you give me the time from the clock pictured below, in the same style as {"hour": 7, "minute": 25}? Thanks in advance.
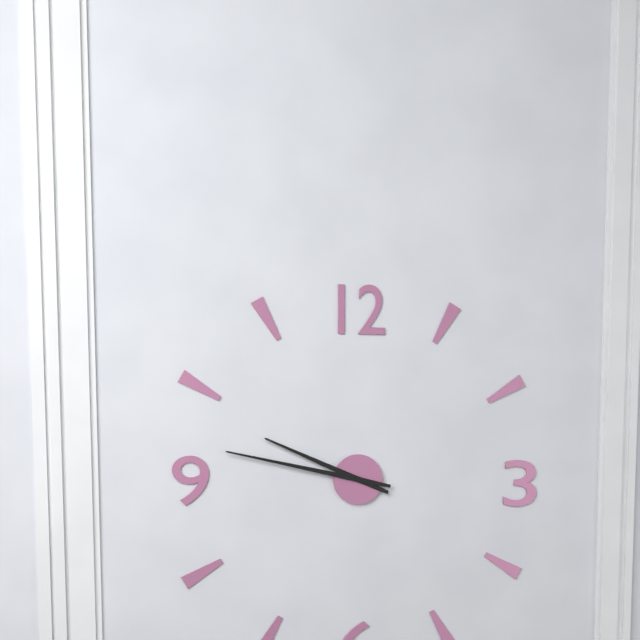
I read {"hour": 9, "minute": 47}
